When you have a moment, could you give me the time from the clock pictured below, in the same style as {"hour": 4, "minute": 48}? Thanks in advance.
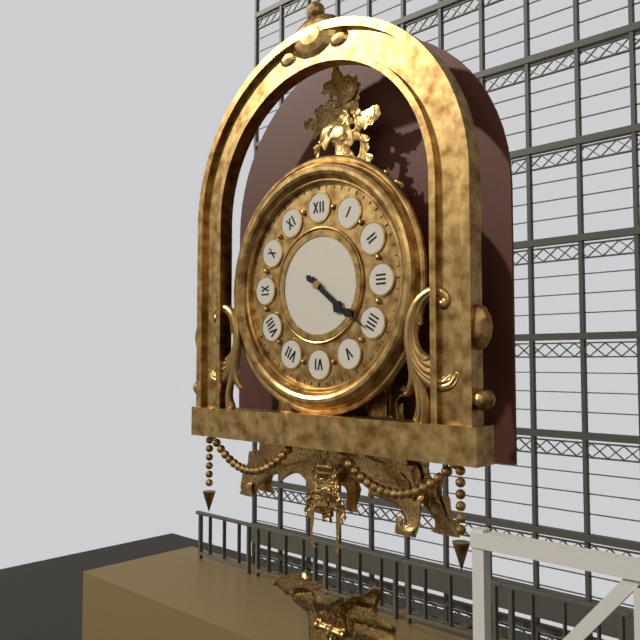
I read {"hour": 4, "minute": 21}
